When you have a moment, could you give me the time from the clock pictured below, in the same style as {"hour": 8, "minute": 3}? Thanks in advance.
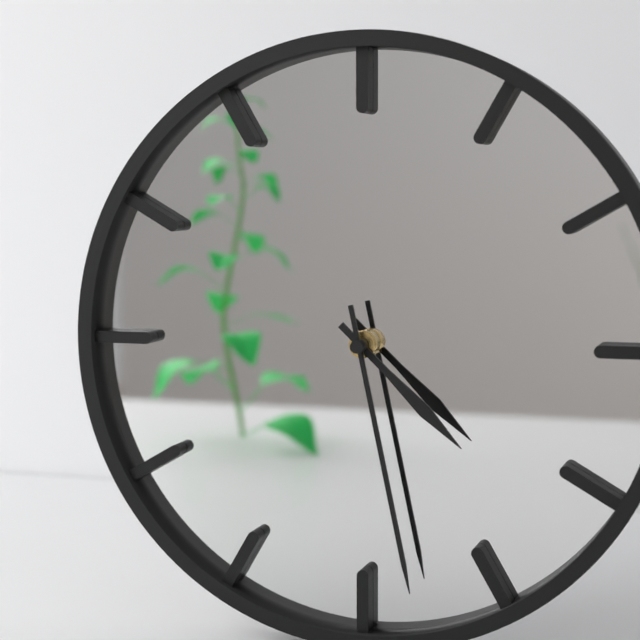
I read {"hour": 4, "minute": 28}
